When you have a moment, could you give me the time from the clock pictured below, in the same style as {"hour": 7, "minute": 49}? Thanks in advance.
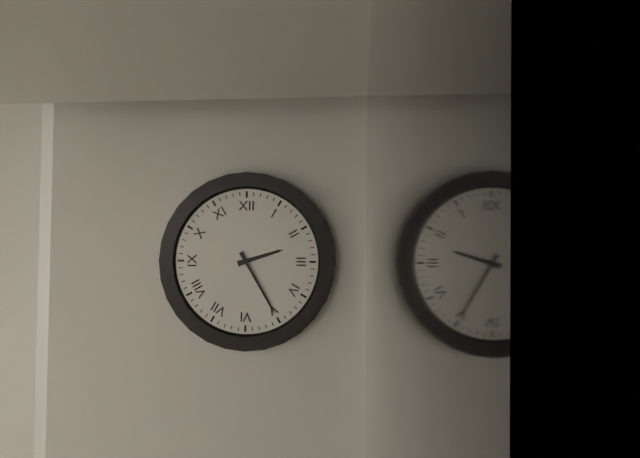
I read {"hour": 2, "minute": 25}
